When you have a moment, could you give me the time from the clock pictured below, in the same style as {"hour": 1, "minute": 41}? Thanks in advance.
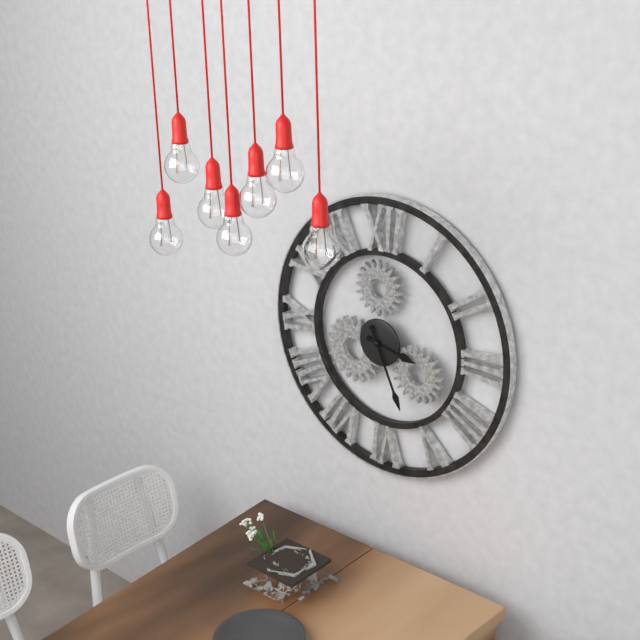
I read {"hour": 3, "minute": 26}
